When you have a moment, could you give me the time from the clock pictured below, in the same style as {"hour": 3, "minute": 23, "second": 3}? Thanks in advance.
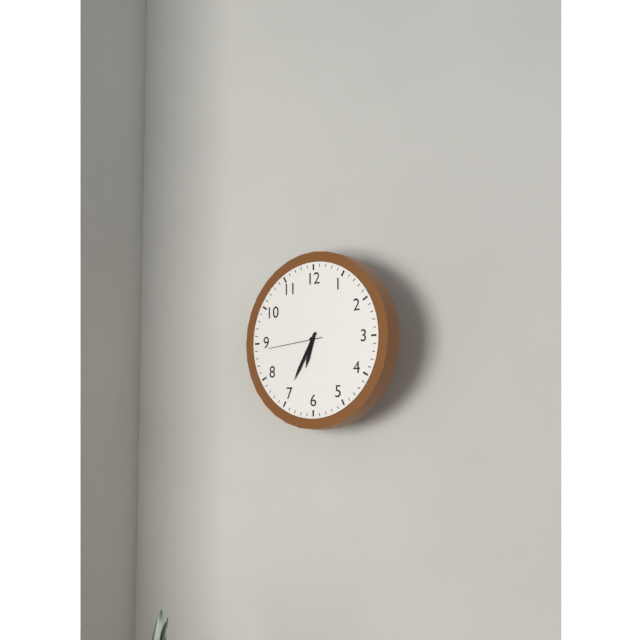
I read {"hour": 6, "minute": 35, "second": 44}
